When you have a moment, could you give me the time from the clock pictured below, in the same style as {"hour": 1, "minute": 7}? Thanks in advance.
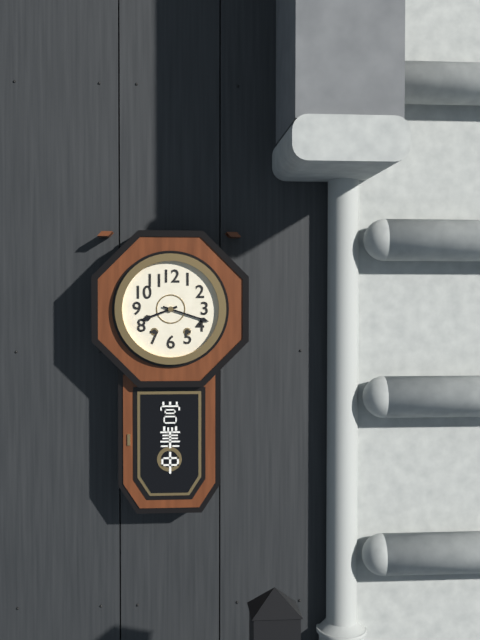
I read {"hour": 8, "minute": 18}
